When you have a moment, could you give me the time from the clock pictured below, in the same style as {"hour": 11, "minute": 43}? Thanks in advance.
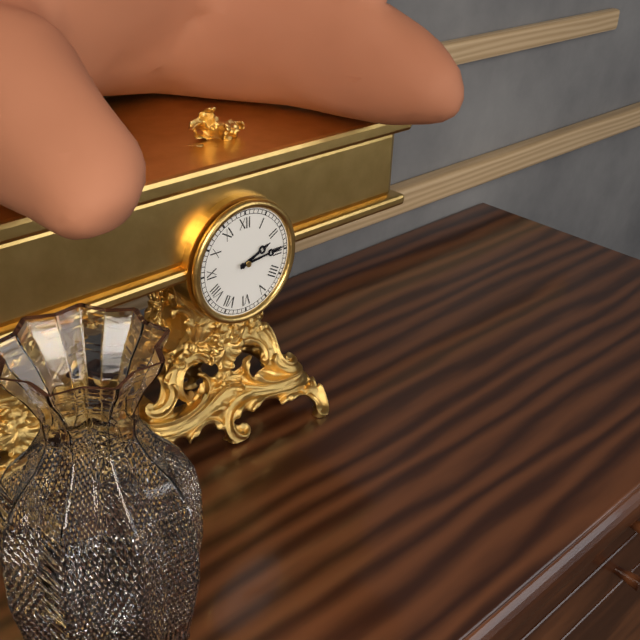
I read {"hour": 2, "minute": 14}
